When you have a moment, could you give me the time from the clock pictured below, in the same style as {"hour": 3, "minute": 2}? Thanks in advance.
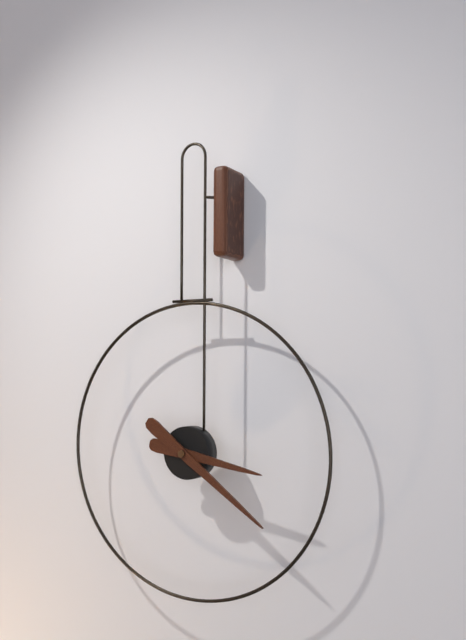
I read {"hour": 3, "minute": 21}
